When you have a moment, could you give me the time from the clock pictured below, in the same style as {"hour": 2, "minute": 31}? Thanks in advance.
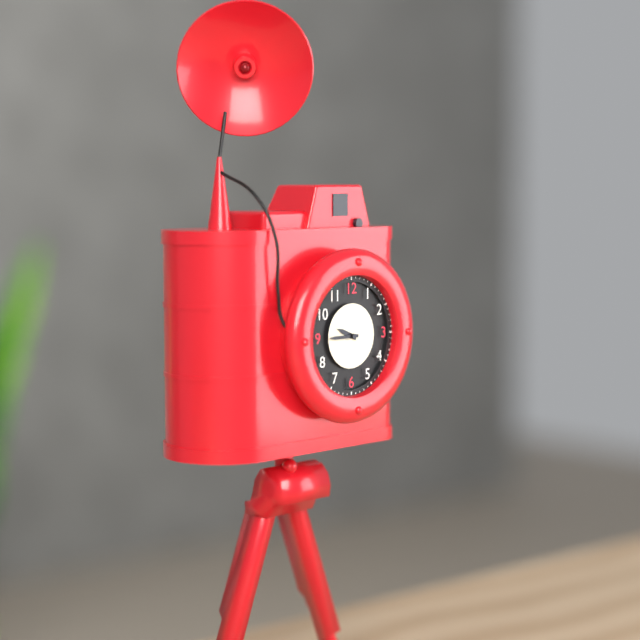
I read {"hour": 9, "minute": 45}
